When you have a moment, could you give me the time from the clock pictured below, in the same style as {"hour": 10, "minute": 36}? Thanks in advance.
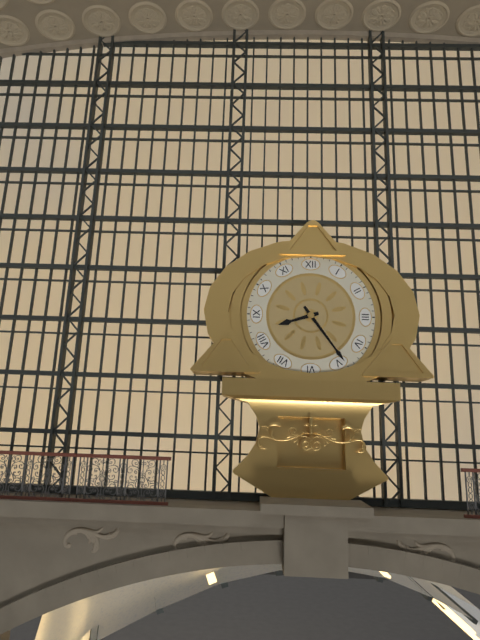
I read {"hour": 8, "minute": 24}
